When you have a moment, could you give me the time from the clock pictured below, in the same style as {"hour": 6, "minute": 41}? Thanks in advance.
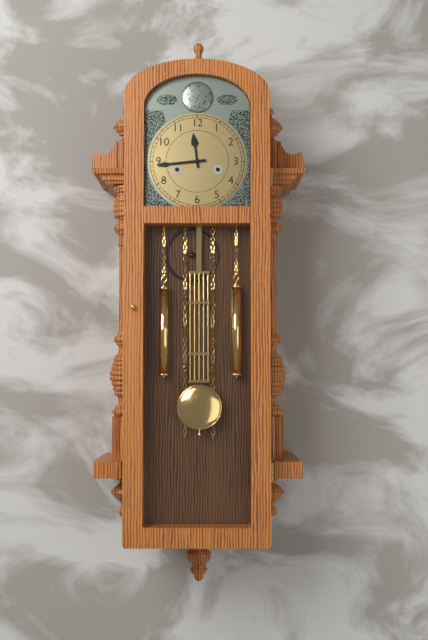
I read {"hour": 11, "minute": 44}
